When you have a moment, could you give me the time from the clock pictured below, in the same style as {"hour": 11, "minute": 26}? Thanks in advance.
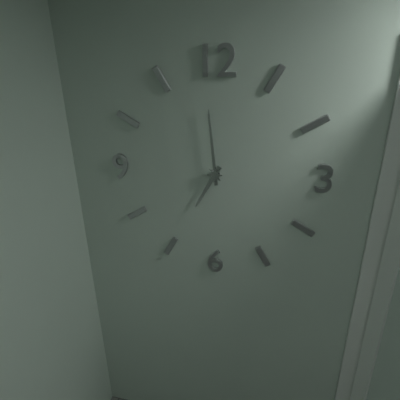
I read {"hour": 6, "minute": 59}
